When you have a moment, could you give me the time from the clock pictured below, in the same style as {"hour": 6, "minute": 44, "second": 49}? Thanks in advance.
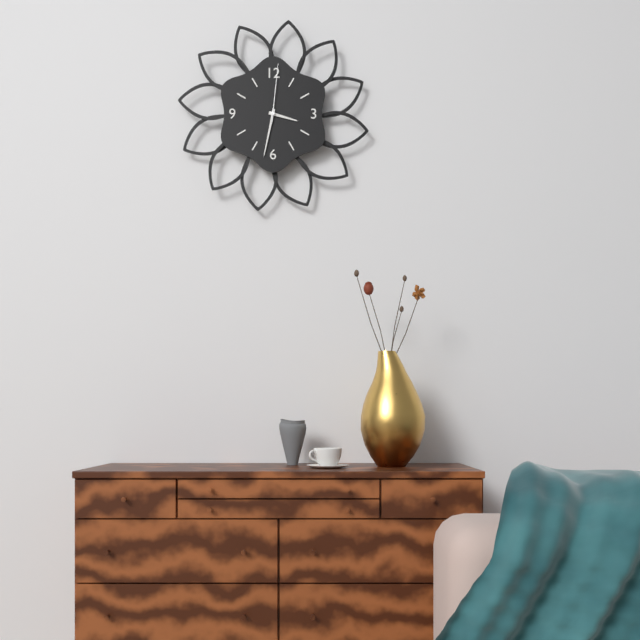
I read {"hour": 3, "minute": 32, "second": 1}
